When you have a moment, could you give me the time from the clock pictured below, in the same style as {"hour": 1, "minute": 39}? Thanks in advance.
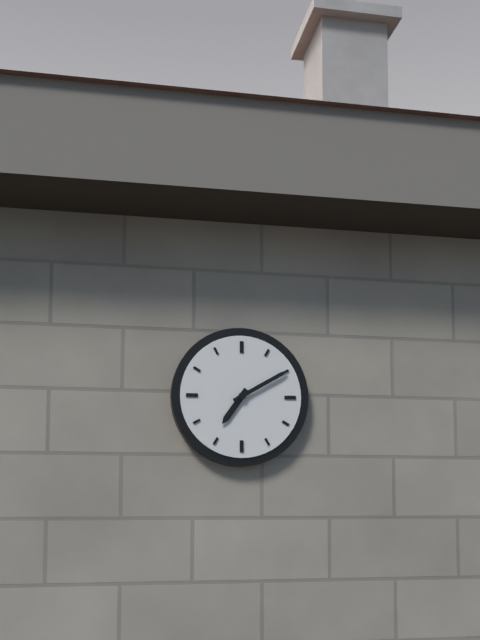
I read {"hour": 7, "minute": 10}
